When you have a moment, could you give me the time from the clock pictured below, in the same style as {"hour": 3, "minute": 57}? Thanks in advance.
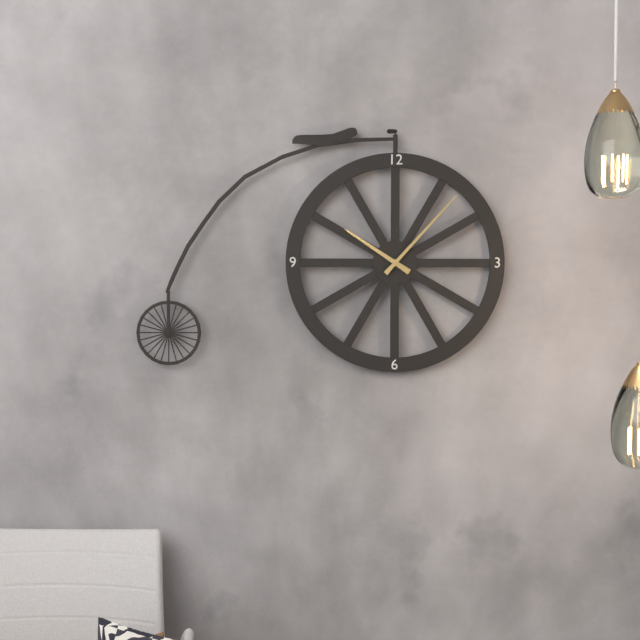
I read {"hour": 10, "minute": 7}
